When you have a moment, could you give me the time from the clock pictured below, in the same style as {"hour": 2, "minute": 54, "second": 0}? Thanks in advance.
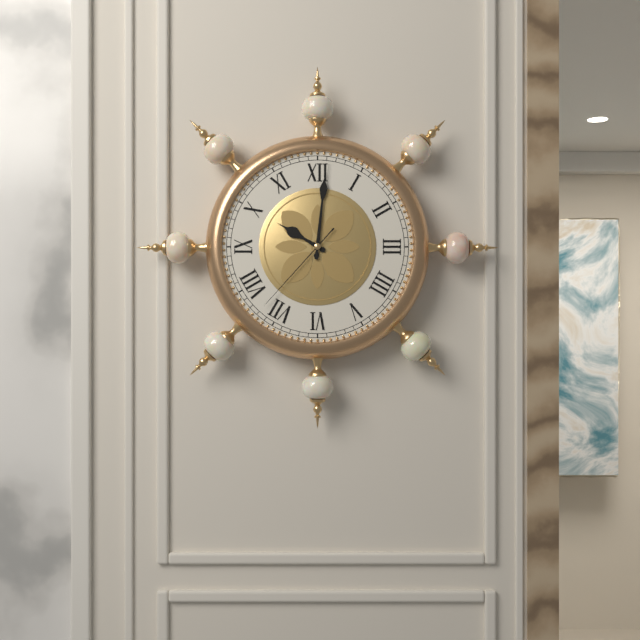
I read {"hour": 10, "minute": 1, "second": 37}
